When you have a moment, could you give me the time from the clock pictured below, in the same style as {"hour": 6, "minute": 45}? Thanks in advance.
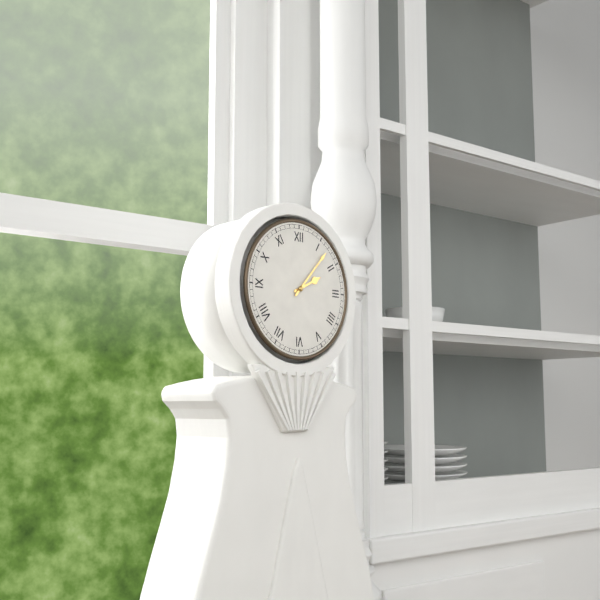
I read {"hour": 2, "minute": 7}
